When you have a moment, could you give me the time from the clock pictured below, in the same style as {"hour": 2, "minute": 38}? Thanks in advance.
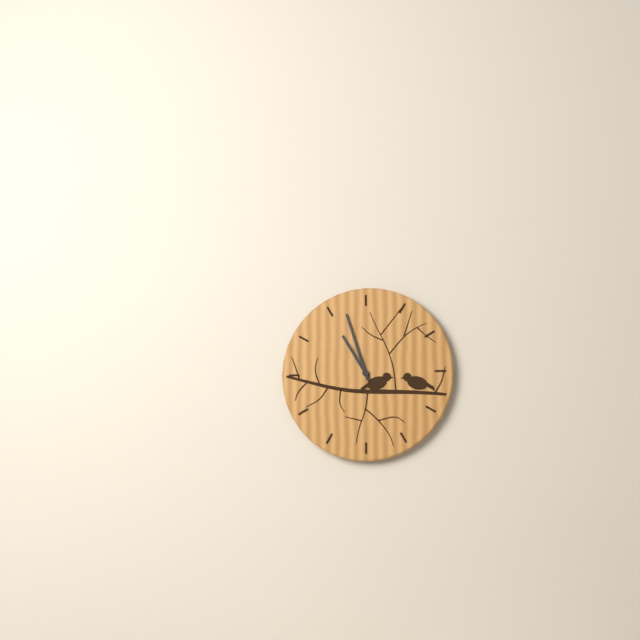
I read {"hour": 10, "minute": 57}
